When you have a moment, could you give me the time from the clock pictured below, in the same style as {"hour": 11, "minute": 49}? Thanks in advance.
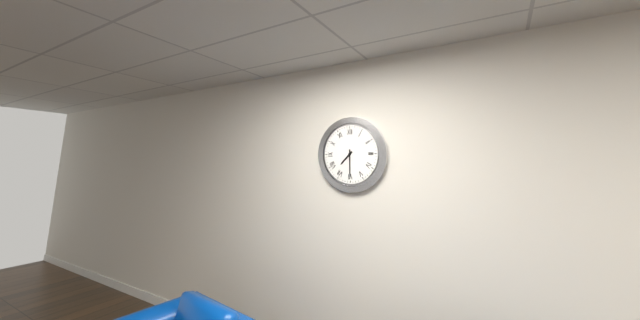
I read {"hour": 7, "minute": 30}
